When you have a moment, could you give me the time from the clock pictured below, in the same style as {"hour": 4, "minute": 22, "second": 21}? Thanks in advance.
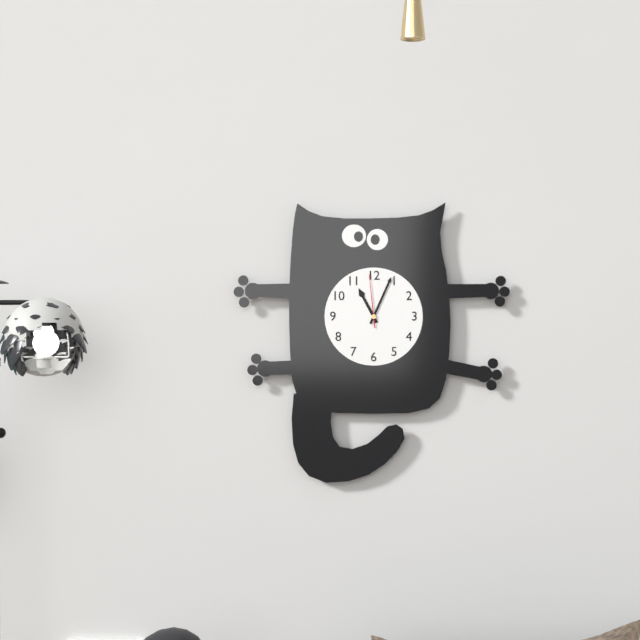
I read {"hour": 11, "minute": 4, "second": 59}
